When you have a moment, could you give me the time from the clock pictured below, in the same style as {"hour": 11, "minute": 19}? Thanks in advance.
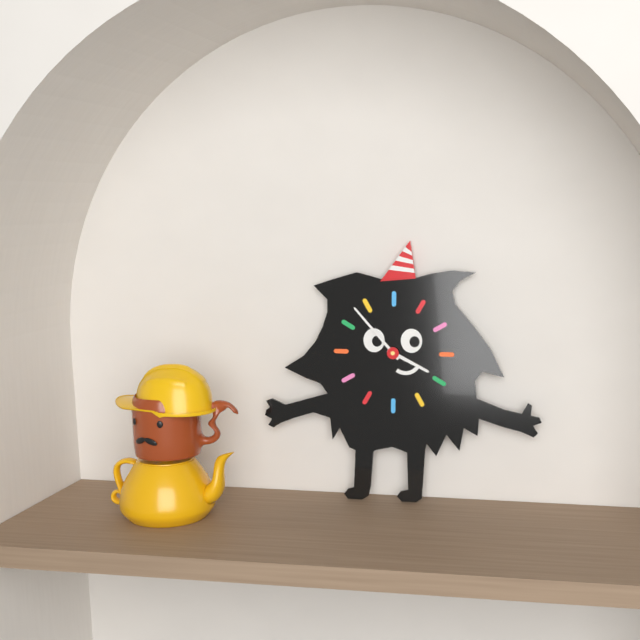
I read {"hour": 3, "minute": 53}
